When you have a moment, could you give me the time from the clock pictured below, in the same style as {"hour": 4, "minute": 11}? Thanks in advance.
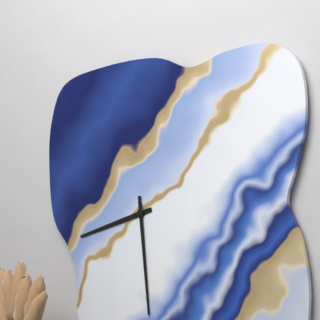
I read {"hour": 8, "minute": 29}
